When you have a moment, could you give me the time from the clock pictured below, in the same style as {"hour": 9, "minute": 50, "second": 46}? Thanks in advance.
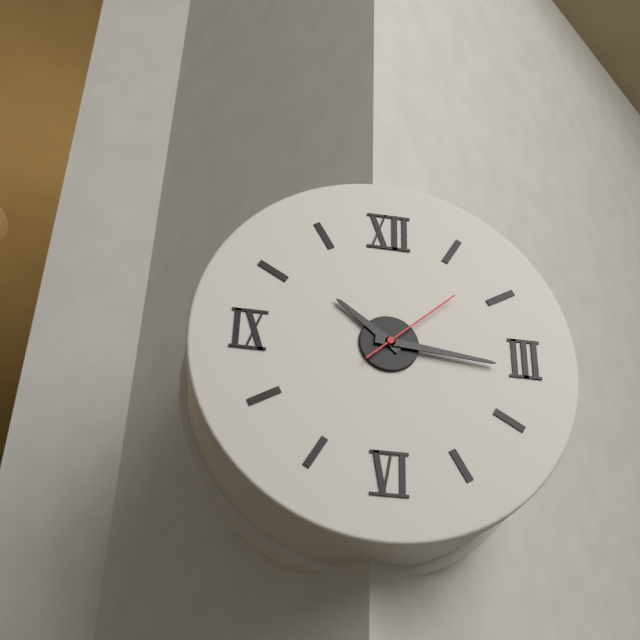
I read {"hour": 10, "minute": 16, "second": 8}
